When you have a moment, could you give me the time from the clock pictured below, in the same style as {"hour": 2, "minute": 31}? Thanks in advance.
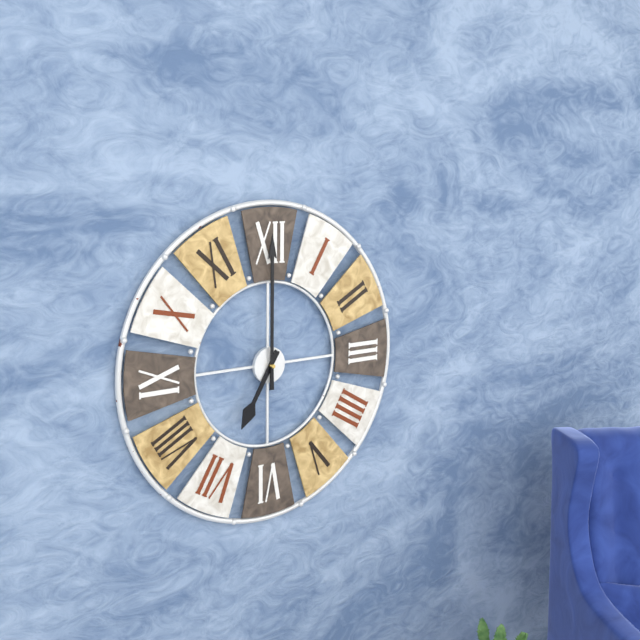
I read {"hour": 7, "minute": 0}
